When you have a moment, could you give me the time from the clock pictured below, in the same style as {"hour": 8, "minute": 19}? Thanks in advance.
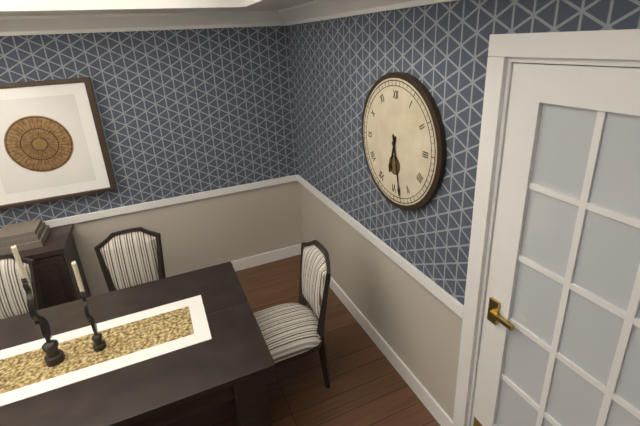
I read {"hour": 6, "minute": 28}
